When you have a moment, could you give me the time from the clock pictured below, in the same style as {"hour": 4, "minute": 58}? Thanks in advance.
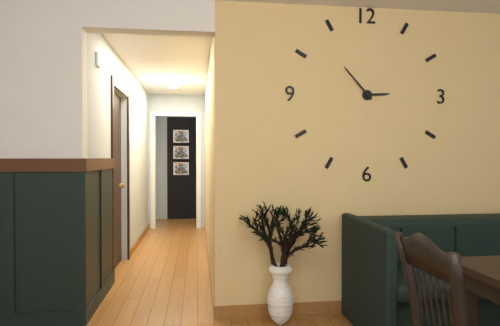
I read {"hour": 2, "minute": 53}
